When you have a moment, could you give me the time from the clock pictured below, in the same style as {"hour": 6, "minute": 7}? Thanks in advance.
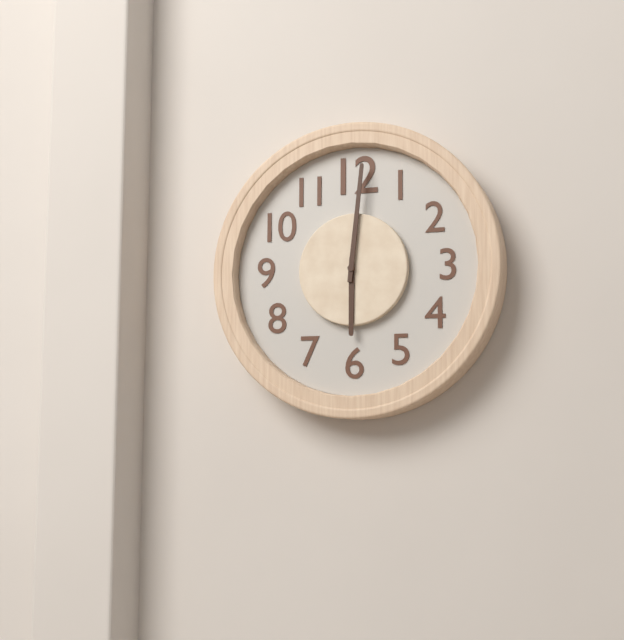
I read {"hour": 6, "minute": 1}
